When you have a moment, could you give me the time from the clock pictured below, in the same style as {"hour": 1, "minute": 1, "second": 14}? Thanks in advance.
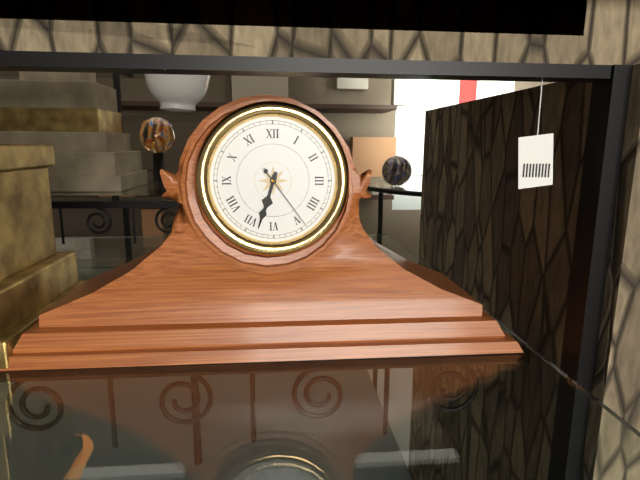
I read {"hour": 6, "minute": 33, "second": 24}
